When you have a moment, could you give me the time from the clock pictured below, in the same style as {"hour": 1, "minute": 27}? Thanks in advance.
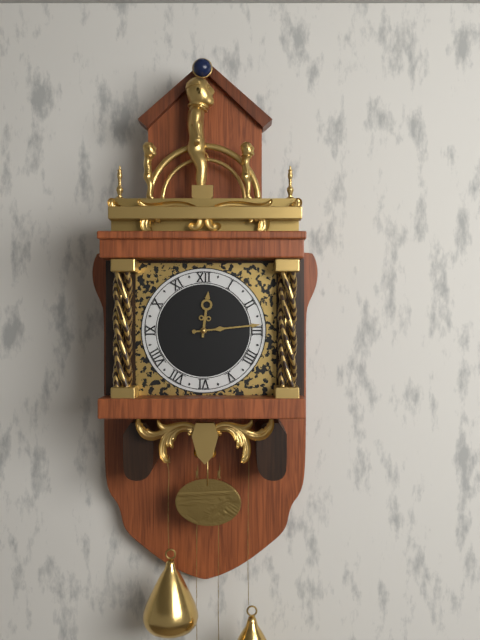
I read {"hour": 12, "minute": 14}
